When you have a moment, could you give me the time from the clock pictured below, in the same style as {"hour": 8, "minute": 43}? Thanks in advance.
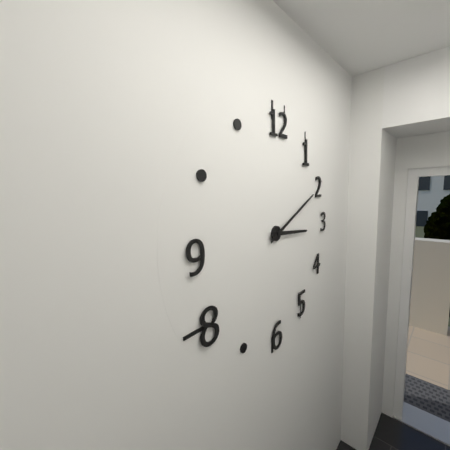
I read {"hour": 3, "minute": 11}
